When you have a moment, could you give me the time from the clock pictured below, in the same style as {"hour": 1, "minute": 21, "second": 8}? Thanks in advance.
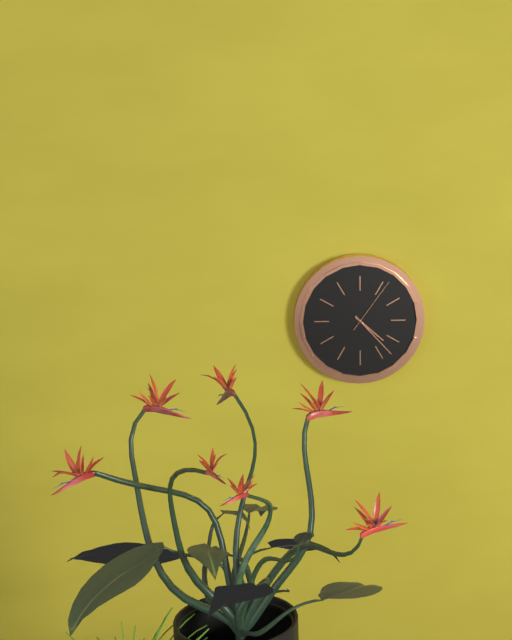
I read {"hour": 4, "minute": 23, "second": 6}
